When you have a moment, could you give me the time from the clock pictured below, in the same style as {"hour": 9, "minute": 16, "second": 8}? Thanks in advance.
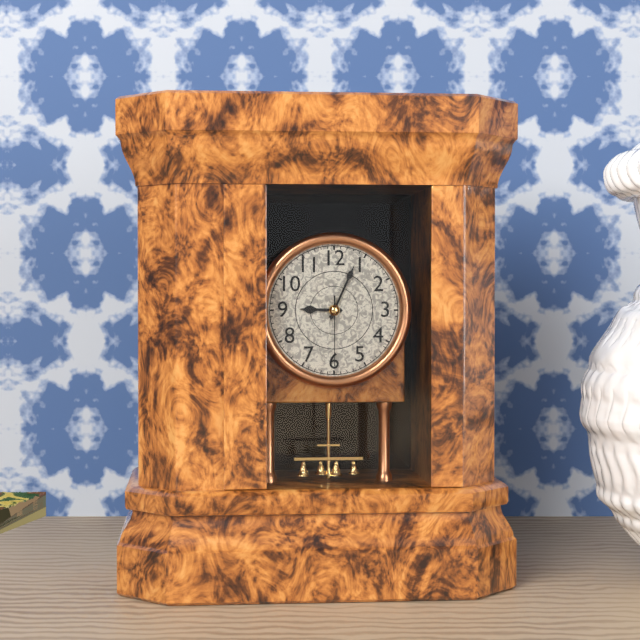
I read {"hour": 9, "minute": 4, "second": 30}
